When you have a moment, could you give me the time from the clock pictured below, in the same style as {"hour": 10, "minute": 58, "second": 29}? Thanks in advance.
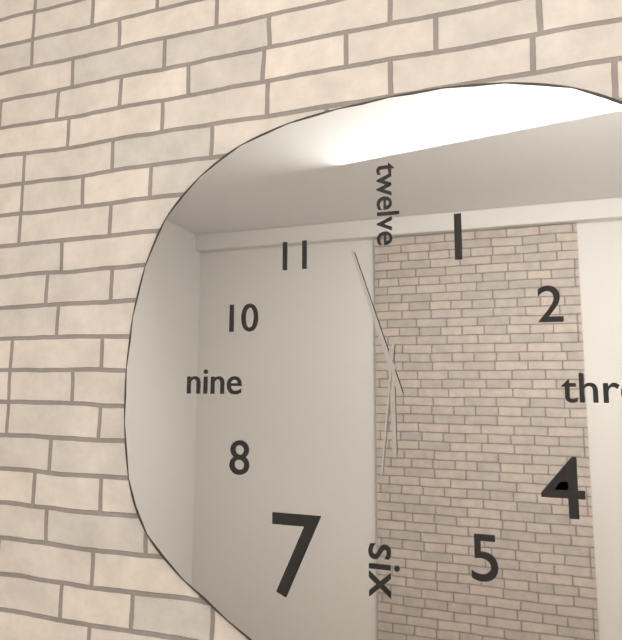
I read {"hour": 5, "minute": 57, "second": 31}
